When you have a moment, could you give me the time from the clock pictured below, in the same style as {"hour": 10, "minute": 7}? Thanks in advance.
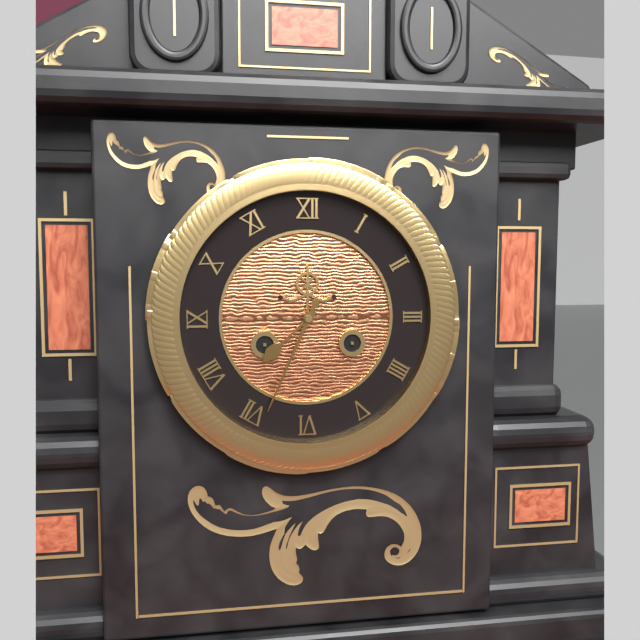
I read {"hour": 7, "minute": 34}
